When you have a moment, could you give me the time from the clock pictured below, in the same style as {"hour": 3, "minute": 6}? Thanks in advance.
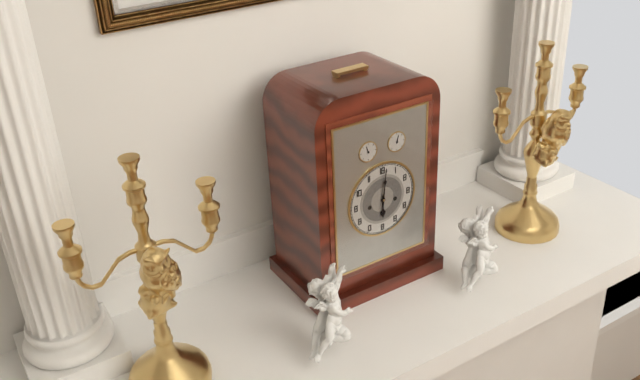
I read {"hour": 6, "minute": 1}
